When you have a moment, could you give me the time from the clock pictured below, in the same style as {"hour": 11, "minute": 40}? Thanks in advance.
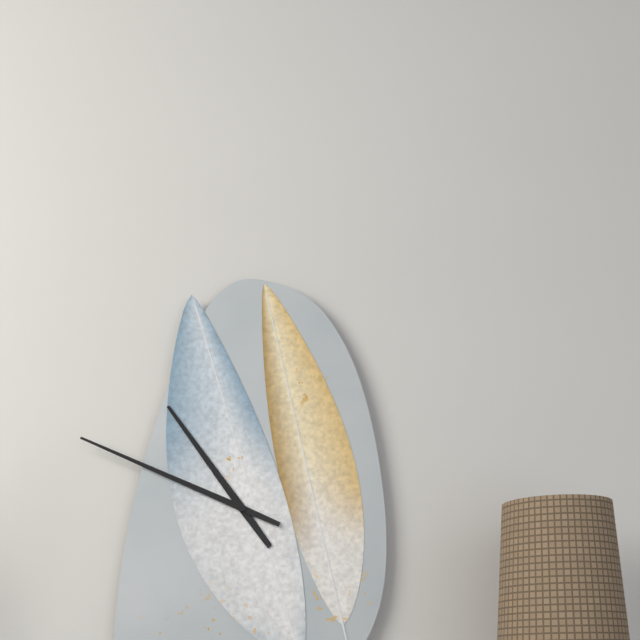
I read {"hour": 10, "minute": 49}
